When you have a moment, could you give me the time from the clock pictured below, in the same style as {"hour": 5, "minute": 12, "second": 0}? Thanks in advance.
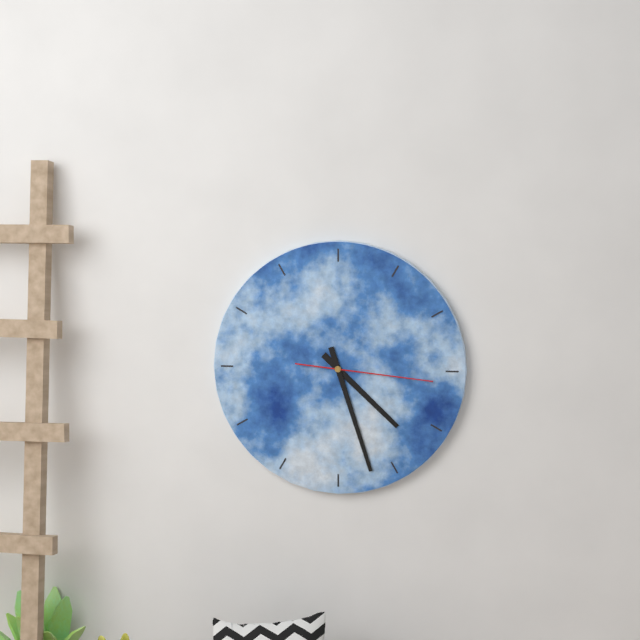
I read {"hour": 4, "minute": 27, "second": 16}
